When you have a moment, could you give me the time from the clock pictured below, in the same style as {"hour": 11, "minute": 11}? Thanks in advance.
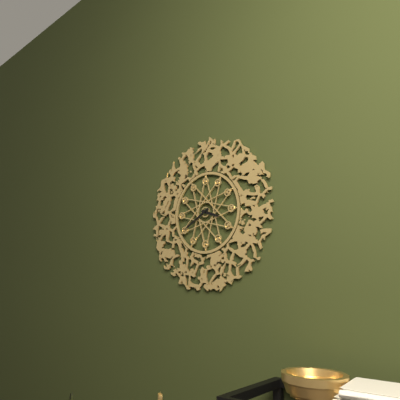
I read {"hour": 3, "minute": 40}
